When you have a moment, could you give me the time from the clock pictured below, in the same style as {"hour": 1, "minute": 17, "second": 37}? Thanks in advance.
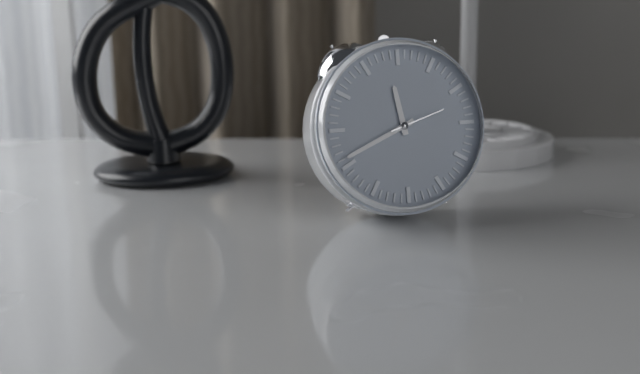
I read {"hour": 11, "minute": 41, "second": 12}
